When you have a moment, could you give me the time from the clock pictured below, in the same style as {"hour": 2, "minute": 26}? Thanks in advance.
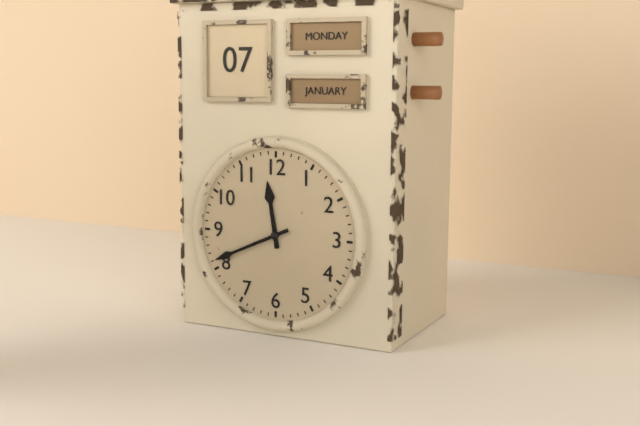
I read {"hour": 11, "minute": 41}
